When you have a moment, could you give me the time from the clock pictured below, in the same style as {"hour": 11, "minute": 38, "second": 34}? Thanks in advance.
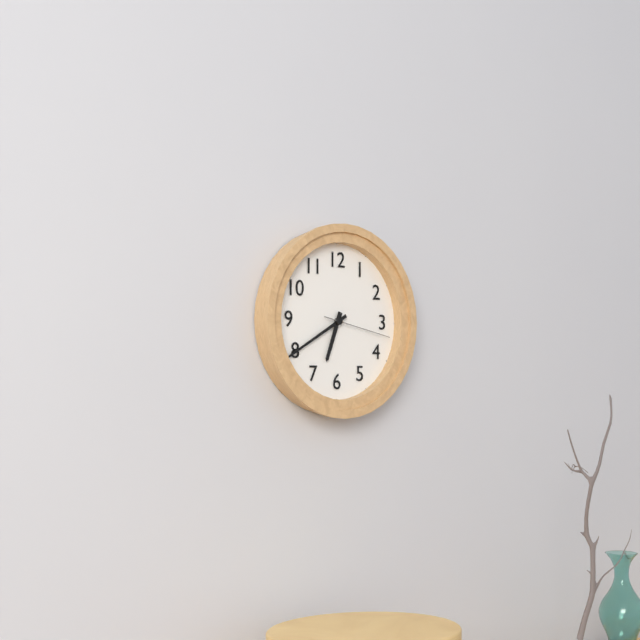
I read {"hour": 6, "minute": 40, "second": 17}
